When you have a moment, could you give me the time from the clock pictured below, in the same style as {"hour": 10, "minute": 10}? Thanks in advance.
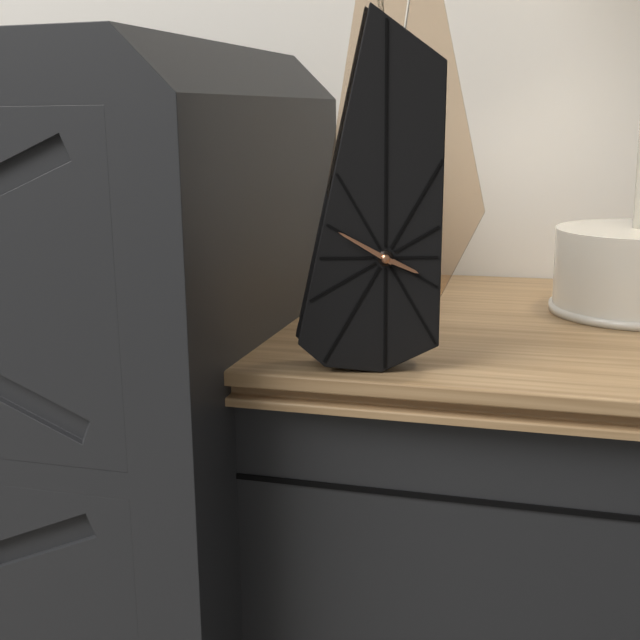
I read {"hour": 3, "minute": 50}
